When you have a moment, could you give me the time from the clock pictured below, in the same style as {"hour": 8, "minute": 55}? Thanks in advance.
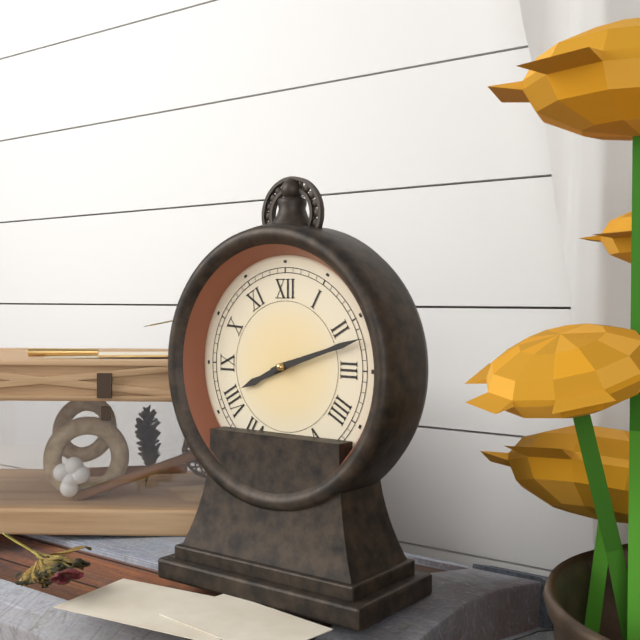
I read {"hour": 8, "minute": 12}
